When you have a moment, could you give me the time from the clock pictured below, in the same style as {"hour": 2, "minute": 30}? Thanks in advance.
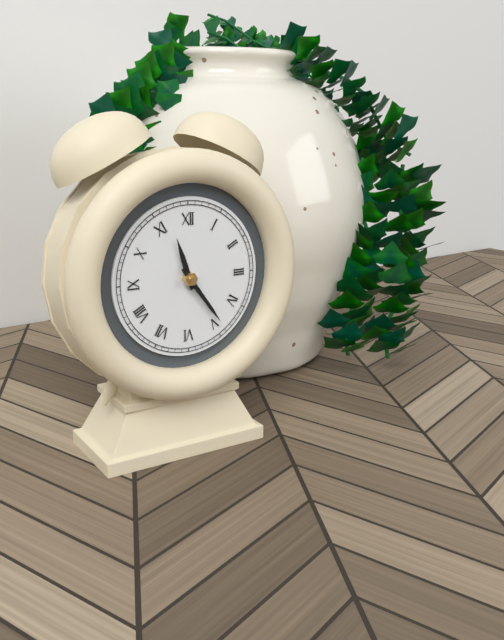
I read {"hour": 11, "minute": 24}
